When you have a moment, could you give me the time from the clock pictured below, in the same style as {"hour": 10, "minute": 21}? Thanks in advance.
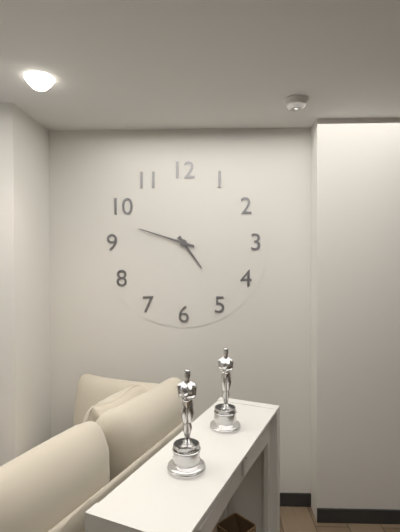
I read {"hour": 4, "minute": 48}
